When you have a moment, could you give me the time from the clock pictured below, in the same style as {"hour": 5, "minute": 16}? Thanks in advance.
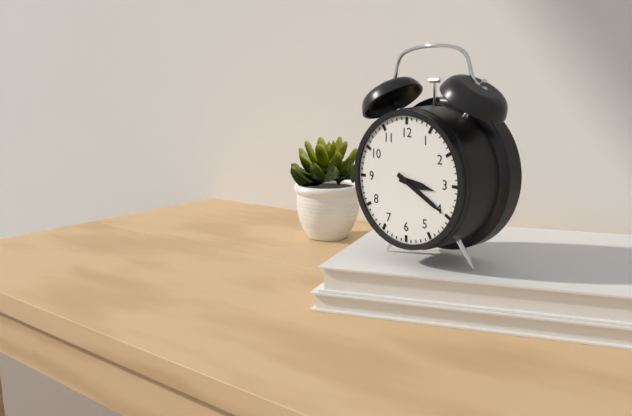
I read {"hour": 3, "minute": 20}
